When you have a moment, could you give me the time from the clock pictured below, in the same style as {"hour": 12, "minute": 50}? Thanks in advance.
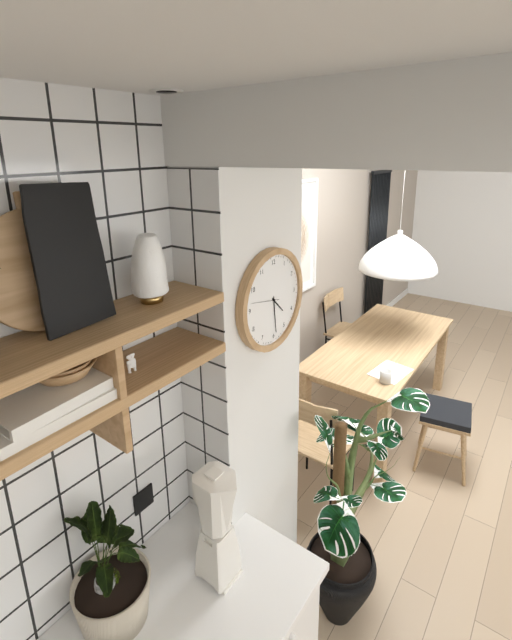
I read {"hour": 4, "minute": 29}
